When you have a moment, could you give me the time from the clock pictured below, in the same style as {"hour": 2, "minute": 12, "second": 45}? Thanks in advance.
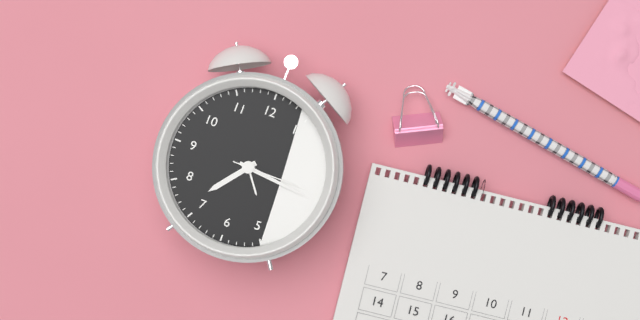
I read {"hour": 7, "minute": 16, "second": 15}
